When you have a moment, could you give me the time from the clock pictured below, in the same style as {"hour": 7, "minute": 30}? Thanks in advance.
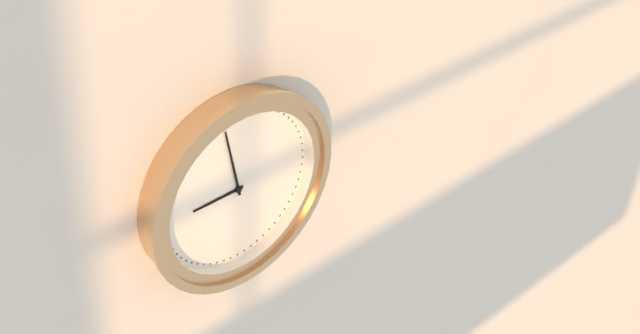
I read {"hour": 8, "minute": 58}
